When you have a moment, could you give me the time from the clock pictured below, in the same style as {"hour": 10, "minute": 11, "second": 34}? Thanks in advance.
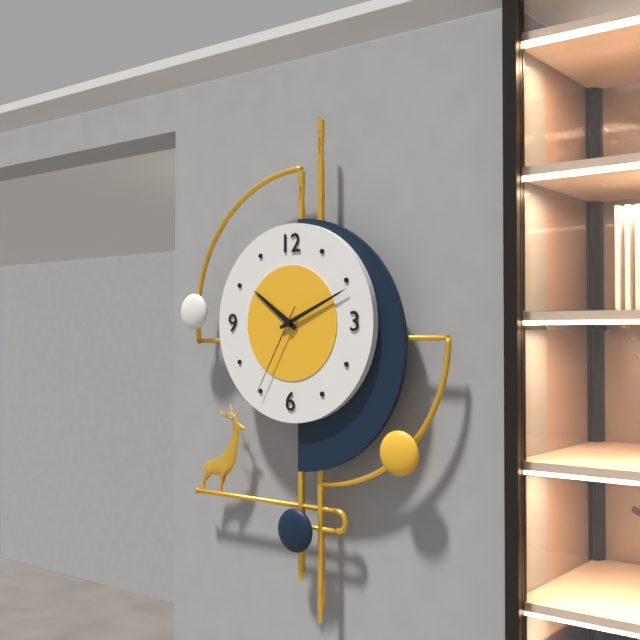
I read {"hour": 10, "minute": 11, "second": 35}
